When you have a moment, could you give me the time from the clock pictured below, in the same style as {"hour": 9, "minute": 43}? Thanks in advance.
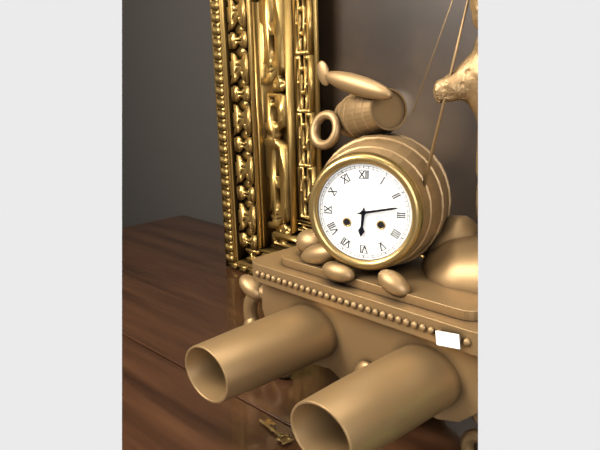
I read {"hour": 6, "minute": 13}
